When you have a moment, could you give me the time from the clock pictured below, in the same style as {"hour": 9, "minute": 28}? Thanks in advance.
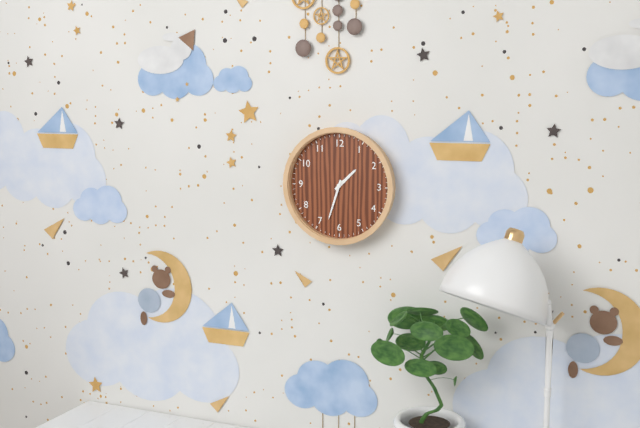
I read {"hour": 1, "minute": 33}
